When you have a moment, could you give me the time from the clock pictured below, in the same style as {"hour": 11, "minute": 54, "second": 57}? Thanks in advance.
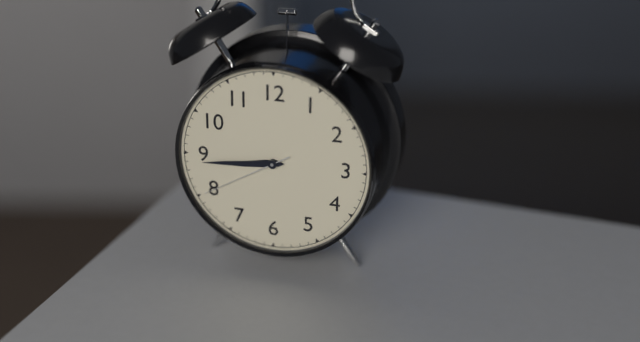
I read {"hour": 8, "minute": 44, "second": 40}
